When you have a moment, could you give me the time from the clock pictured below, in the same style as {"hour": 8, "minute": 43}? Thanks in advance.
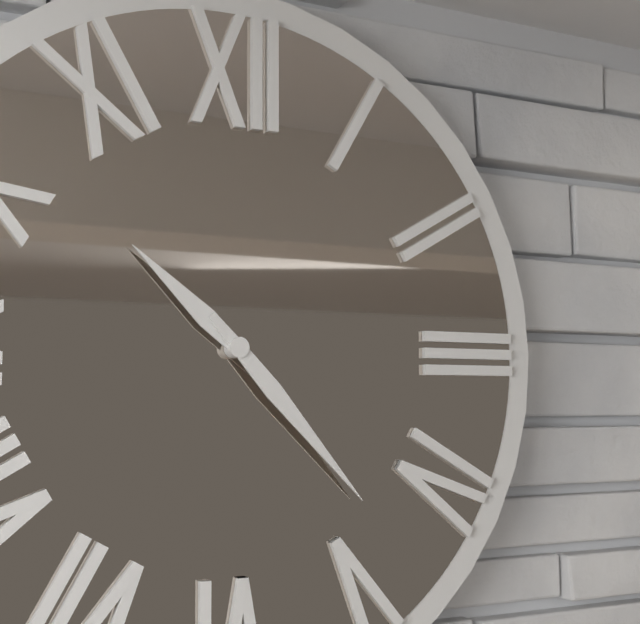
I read {"hour": 10, "minute": 23}
